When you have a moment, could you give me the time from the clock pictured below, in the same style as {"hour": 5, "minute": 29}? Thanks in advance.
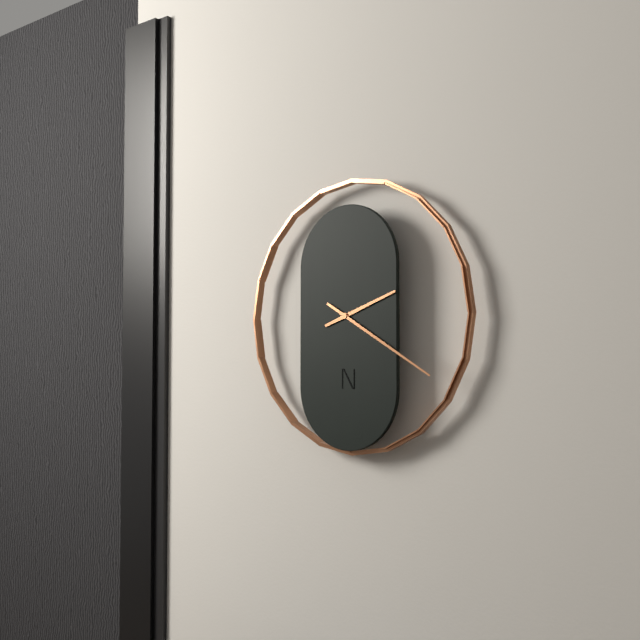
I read {"hour": 2, "minute": 20}
